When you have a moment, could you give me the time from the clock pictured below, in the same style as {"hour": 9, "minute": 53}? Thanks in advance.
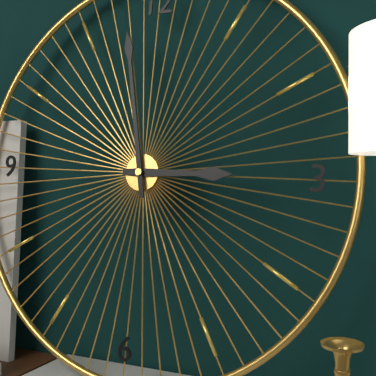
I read {"hour": 2, "minute": 58}
